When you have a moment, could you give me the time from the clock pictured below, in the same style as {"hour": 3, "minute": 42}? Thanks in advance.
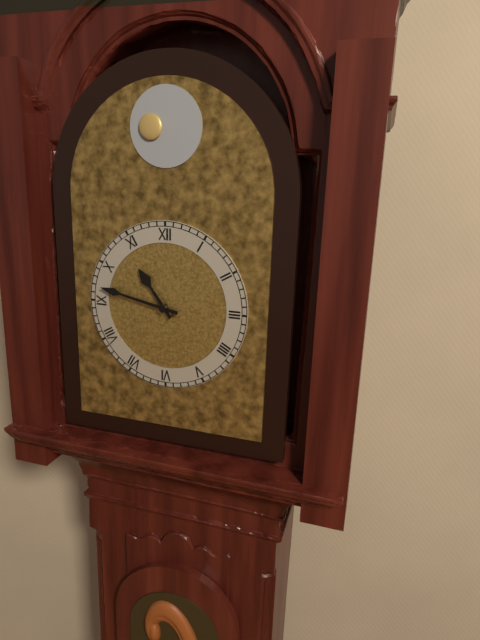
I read {"hour": 10, "minute": 47}
